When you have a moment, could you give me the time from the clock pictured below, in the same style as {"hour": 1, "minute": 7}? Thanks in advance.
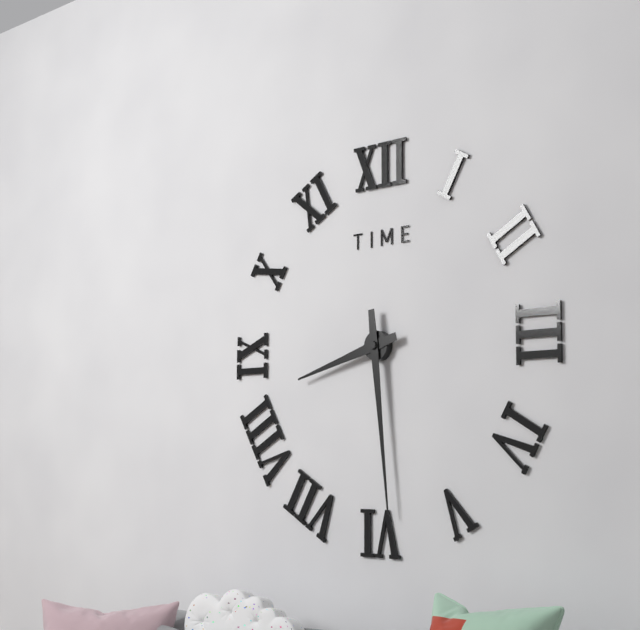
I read {"hour": 8, "minute": 29}
